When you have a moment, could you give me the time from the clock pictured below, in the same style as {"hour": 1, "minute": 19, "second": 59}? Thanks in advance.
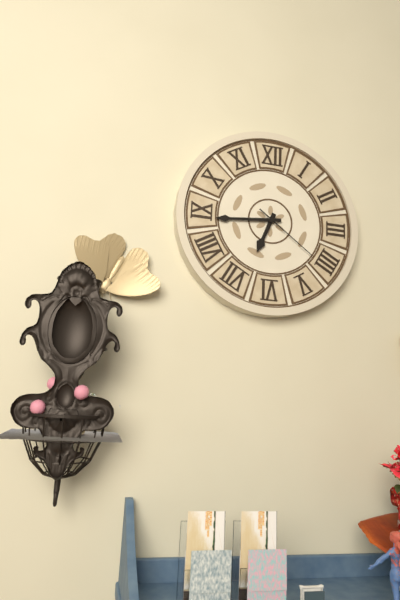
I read {"hour": 6, "minute": 44, "second": 21}
